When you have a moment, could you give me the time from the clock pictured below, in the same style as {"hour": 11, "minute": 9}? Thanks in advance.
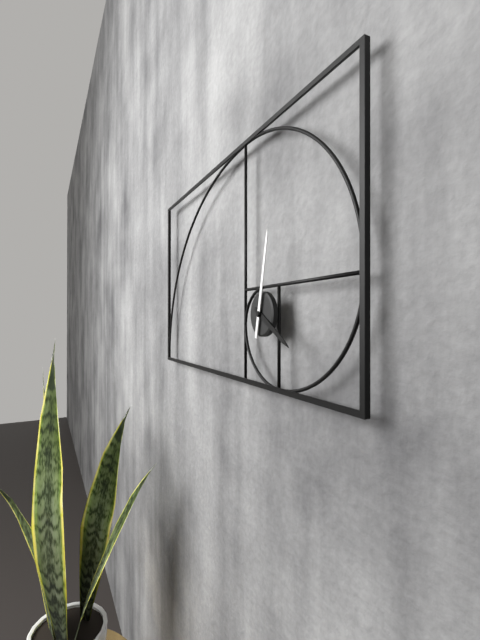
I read {"hour": 4, "minute": 2}
